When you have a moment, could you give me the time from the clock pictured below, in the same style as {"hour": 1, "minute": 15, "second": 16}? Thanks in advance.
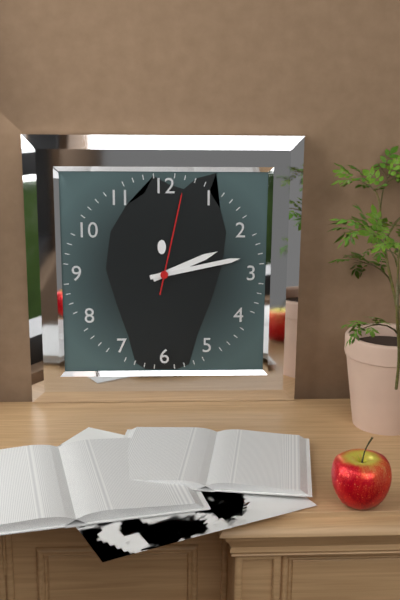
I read {"hour": 2, "minute": 13, "second": 2}
